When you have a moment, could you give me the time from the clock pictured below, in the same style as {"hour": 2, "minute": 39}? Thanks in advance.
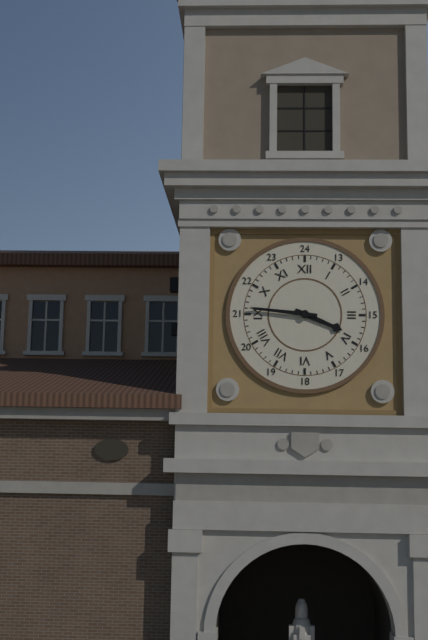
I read {"hour": 3, "minute": 46}
